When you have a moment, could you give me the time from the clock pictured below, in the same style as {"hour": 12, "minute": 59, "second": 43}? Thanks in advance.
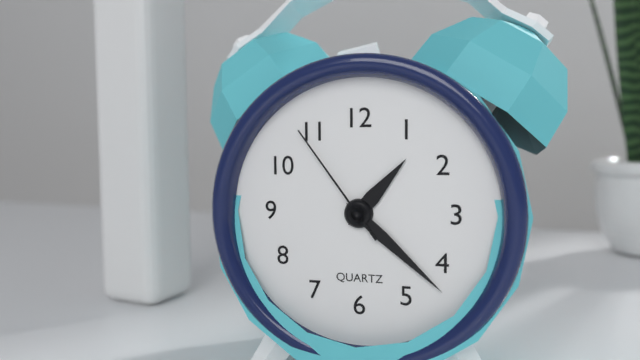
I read {"hour": 1, "minute": 22, "second": 54}
